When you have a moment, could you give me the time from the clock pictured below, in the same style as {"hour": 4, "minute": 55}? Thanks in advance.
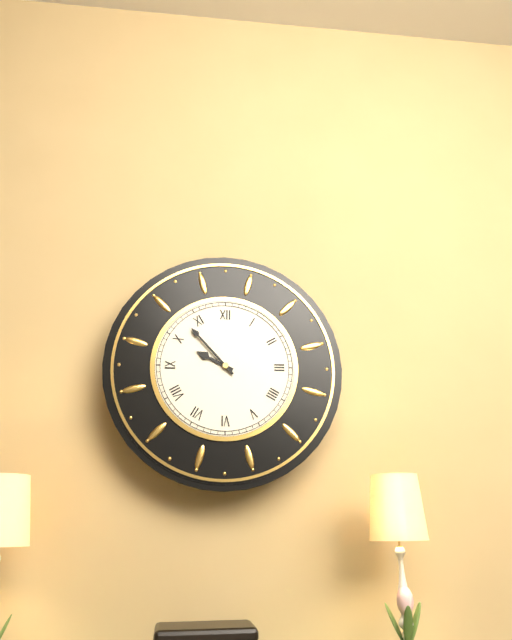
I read {"hour": 9, "minute": 53}
